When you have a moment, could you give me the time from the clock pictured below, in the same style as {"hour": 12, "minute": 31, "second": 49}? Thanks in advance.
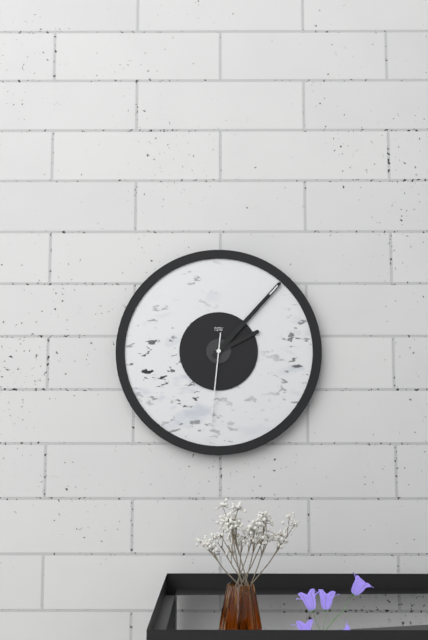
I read {"hour": 2, "minute": 7, "second": 31}
